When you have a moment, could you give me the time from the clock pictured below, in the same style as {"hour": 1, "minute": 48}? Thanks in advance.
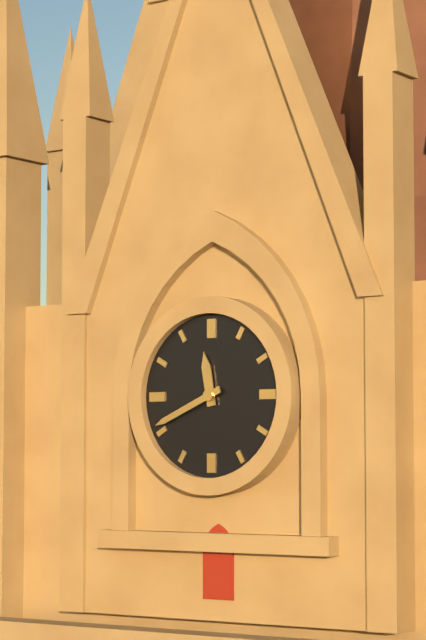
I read {"hour": 11, "minute": 41}
